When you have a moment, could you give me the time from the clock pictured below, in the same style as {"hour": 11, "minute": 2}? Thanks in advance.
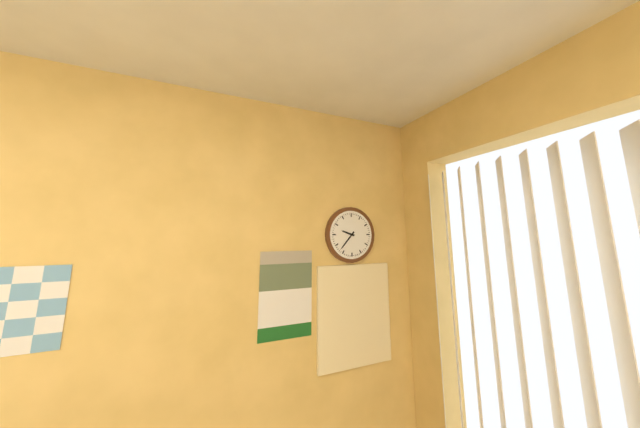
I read {"hour": 9, "minute": 37}
